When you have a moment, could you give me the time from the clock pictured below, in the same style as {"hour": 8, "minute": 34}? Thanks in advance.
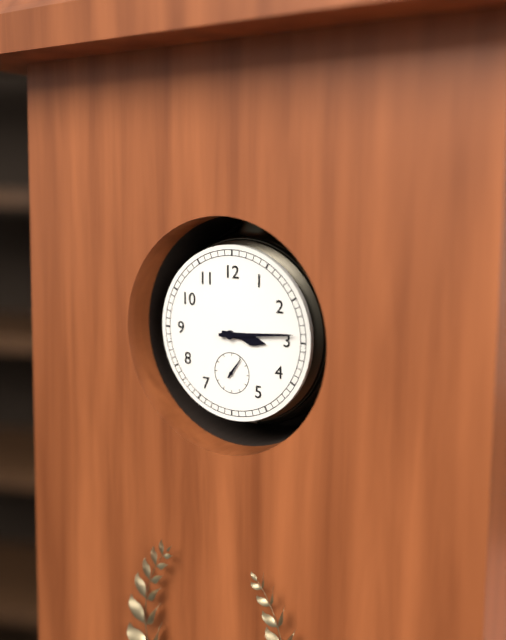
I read {"hour": 3, "minute": 14}
